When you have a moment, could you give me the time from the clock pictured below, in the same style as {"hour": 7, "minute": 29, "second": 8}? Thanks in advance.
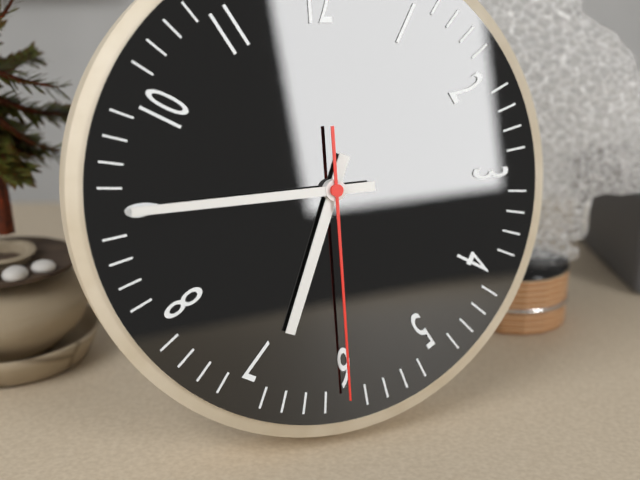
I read {"hour": 6, "minute": 45, "second": 30}
